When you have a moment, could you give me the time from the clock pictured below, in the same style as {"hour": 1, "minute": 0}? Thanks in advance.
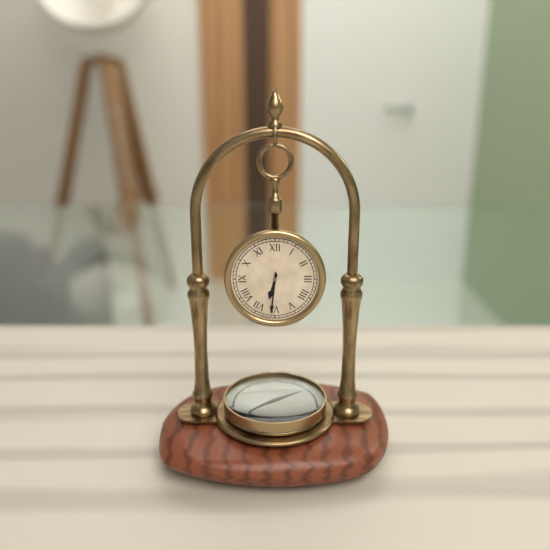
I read {"hour": 6, "minute": 31}
